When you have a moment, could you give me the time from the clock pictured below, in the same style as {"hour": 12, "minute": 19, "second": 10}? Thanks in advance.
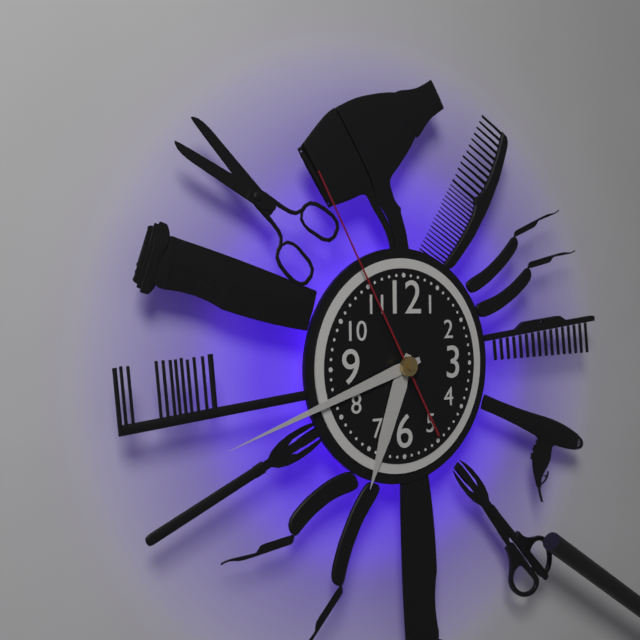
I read {"hour": 6, "minute": 42, "second": 55}
